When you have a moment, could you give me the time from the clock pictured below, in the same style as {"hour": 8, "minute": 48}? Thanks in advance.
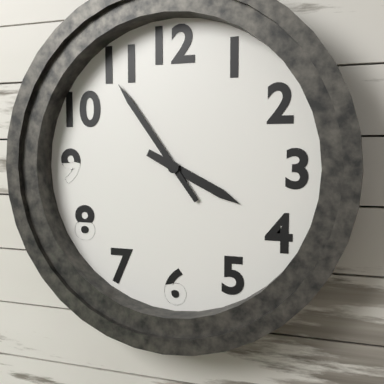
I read {"hour": 3, "minute": 54}
